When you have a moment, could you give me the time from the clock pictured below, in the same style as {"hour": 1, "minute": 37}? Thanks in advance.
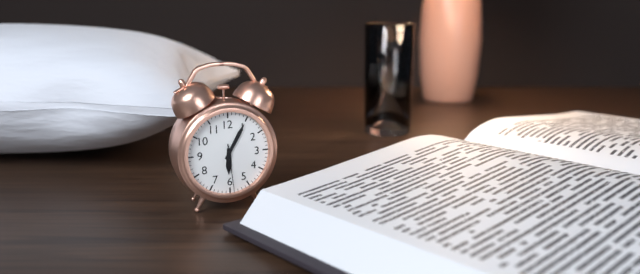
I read {"hour": 6, "minute": 5}
